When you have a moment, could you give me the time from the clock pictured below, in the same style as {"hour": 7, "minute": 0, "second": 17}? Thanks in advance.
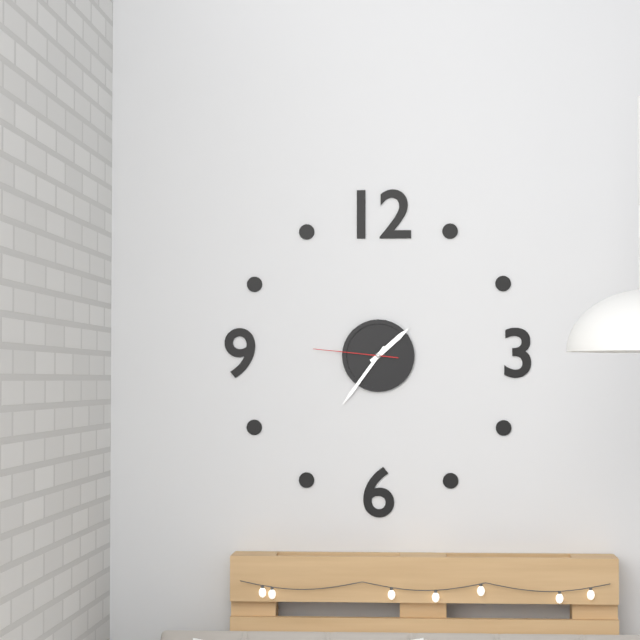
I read {"hour": 1, "minute": 36, "second": 46}
